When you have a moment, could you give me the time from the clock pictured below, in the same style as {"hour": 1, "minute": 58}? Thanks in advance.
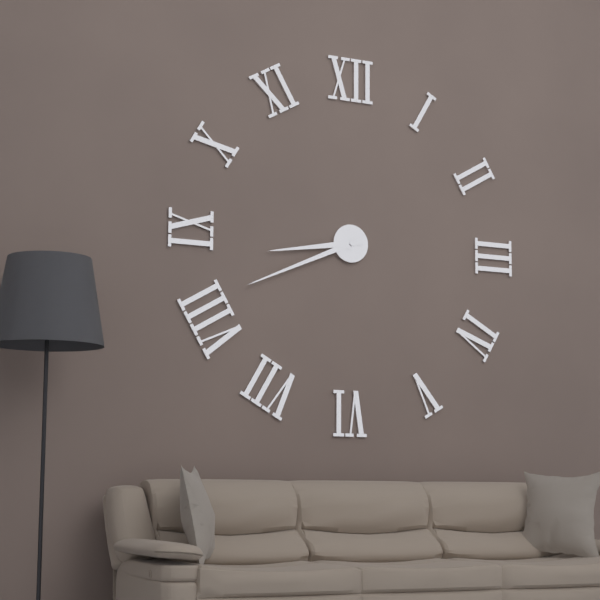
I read {"hour": 8, "minute": 41}
